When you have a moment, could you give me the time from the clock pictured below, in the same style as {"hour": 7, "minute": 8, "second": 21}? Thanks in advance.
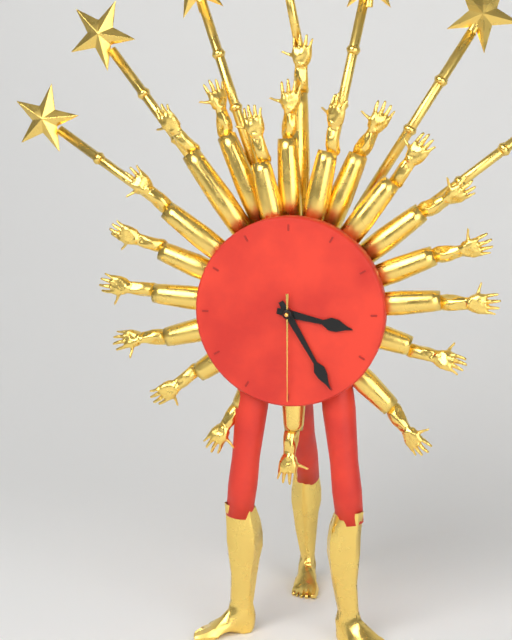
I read {"hour": 3, "minute": 25, "second": 30}
